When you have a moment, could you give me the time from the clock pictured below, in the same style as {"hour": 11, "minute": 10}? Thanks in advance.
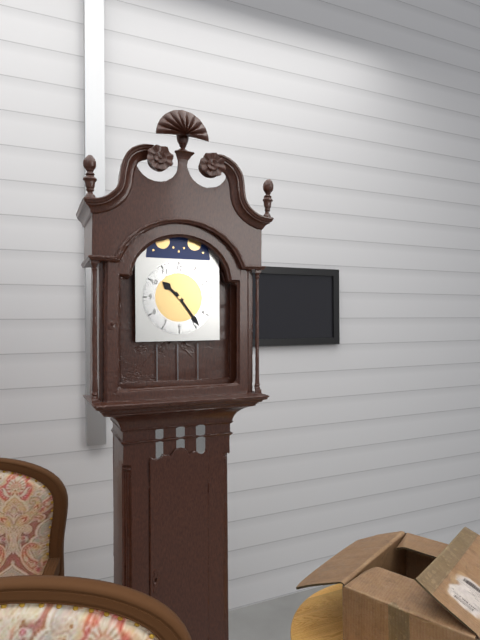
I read {"hour": 10, "minute": 24}
